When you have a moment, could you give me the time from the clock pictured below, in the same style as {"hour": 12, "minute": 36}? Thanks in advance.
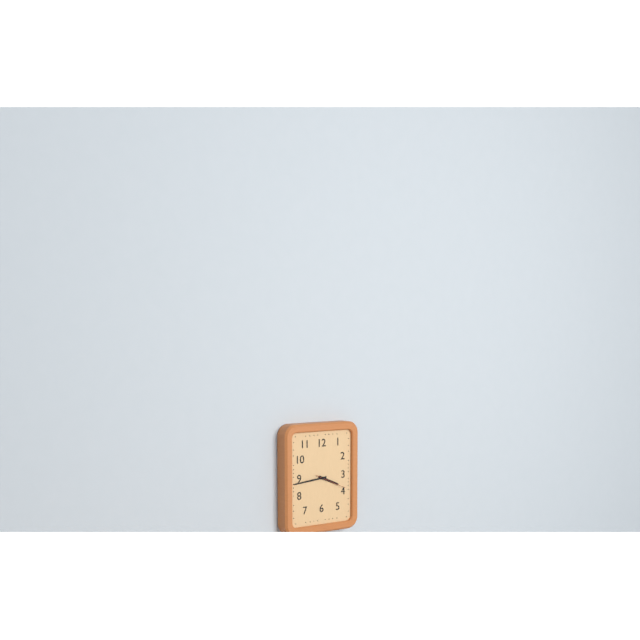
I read {"hour": 3, "minute": 44}
